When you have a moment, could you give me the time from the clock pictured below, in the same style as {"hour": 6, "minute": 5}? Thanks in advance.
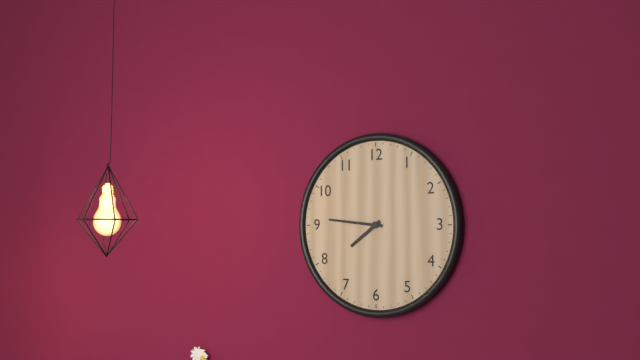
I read {"hour": 7, "minute": 46}
